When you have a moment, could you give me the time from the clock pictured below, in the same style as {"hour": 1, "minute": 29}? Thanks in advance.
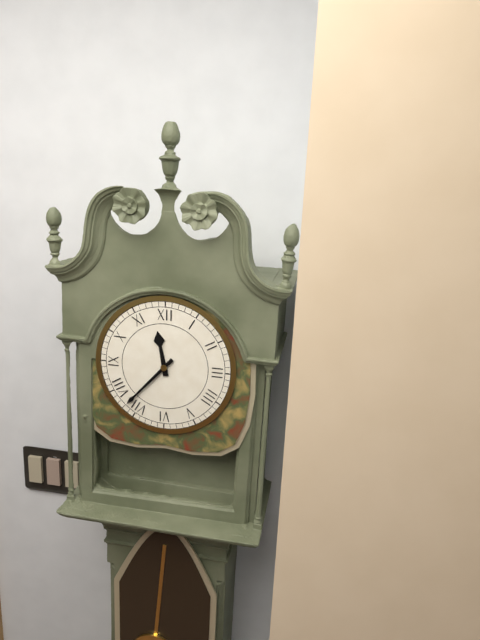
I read {"hour": 11, "minute": 37}
